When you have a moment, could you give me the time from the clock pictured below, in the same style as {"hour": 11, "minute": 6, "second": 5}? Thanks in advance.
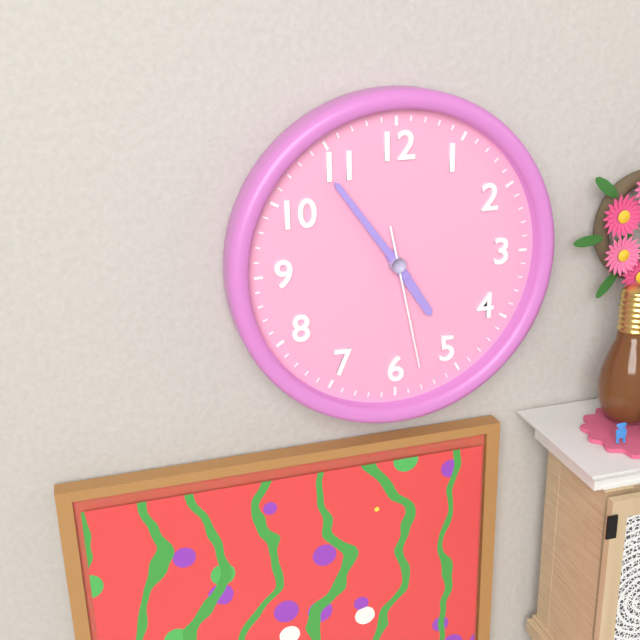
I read {"hour": 4, "minute": 54, "second": 28}
